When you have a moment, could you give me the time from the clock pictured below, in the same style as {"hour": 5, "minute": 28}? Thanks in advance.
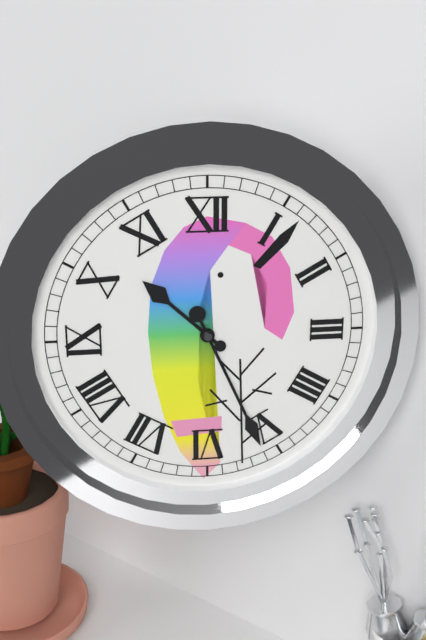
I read {"hour": 10, "minute": 26}
